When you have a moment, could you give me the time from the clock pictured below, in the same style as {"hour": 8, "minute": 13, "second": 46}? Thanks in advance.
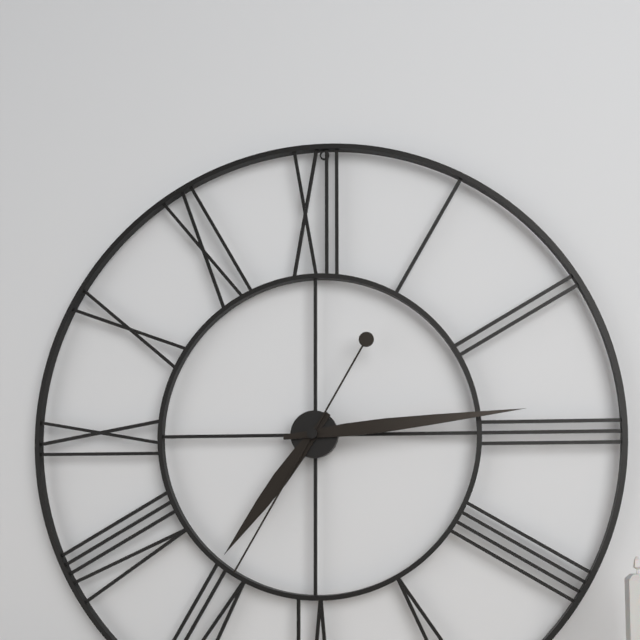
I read {"hour": 7, "minute": 14, "second": 35}
